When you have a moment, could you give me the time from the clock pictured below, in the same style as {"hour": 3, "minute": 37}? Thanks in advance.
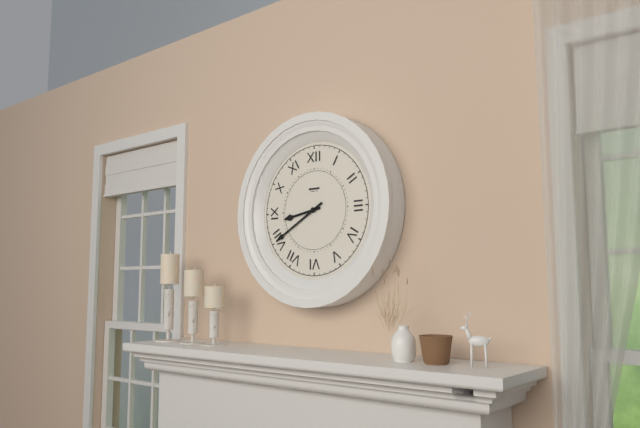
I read {"hour": 8, "minute": 40}
